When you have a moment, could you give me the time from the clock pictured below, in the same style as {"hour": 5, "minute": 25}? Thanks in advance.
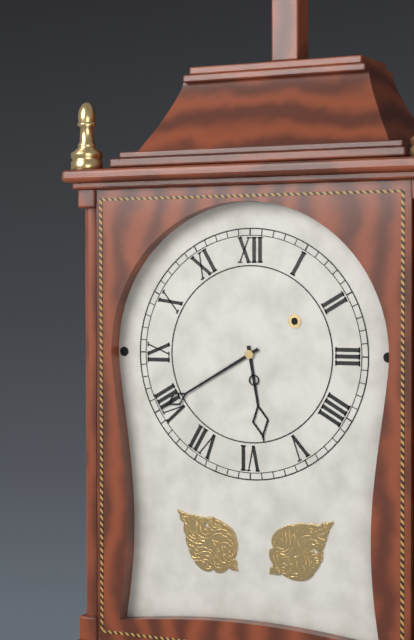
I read {"hour": 5, "minute": 40}
